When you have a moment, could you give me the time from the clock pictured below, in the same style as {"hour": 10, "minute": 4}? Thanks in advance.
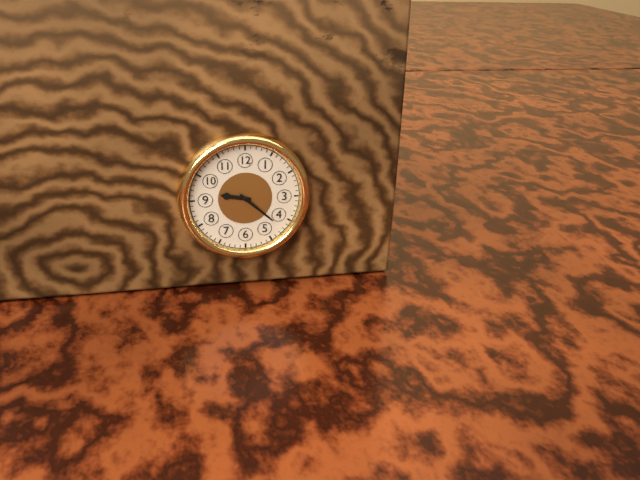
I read {"hour": 9, "minute": 22}
